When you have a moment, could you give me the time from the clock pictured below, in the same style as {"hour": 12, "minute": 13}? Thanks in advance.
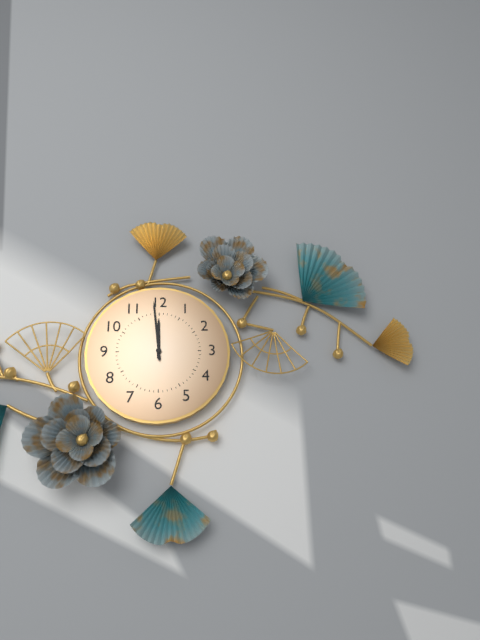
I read {"hour": 11, "minute": 59}
